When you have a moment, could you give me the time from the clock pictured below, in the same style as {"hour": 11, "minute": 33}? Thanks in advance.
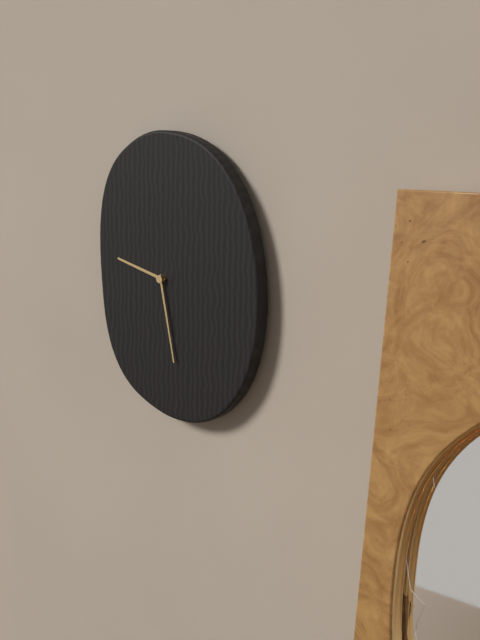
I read {"hour": 9, "minute": 28}
